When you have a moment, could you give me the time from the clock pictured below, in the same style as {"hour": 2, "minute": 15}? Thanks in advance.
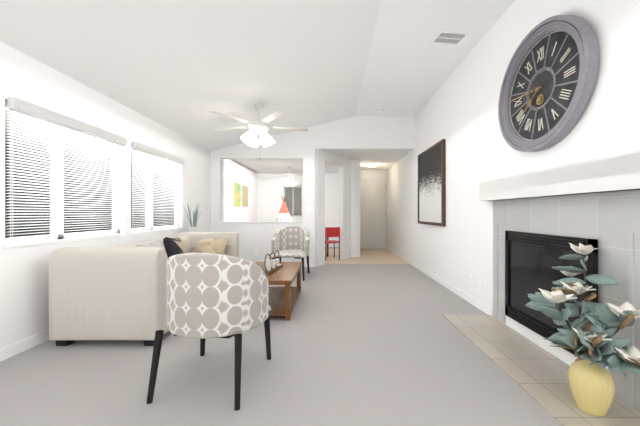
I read {"hour": 7, "minute": 46}
